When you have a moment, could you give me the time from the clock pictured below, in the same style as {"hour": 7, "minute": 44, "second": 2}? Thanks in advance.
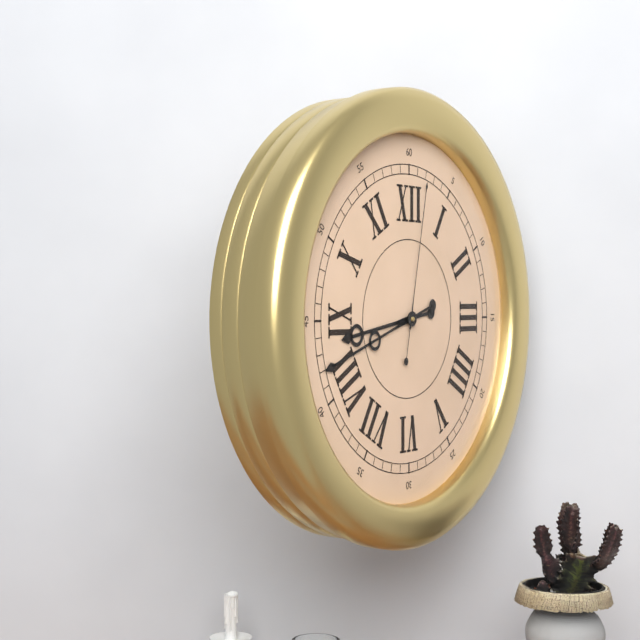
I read {"hour": 8, "minute": 42, "second": 2}
